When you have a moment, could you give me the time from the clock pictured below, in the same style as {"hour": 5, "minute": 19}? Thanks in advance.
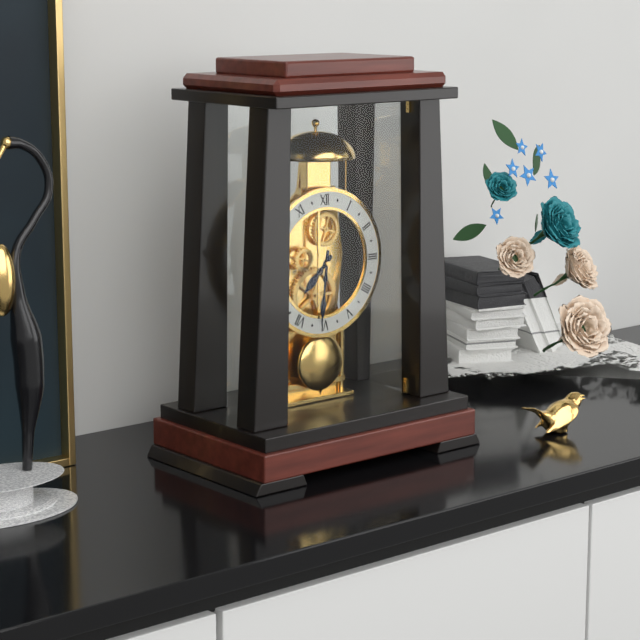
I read {"hour": 7, "minute": 31}
